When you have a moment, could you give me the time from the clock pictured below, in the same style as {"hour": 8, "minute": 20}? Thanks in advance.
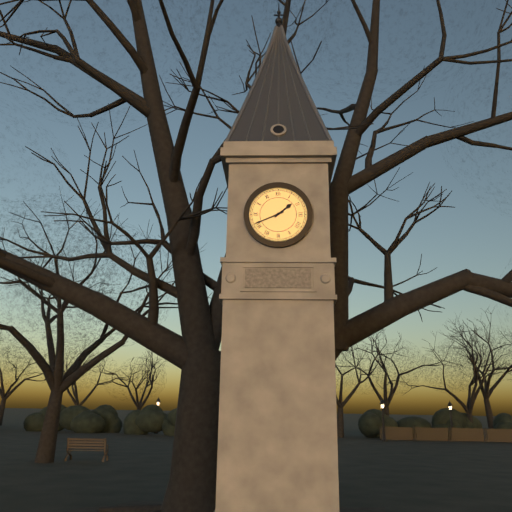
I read {"hour": 1, "minute": 41}
